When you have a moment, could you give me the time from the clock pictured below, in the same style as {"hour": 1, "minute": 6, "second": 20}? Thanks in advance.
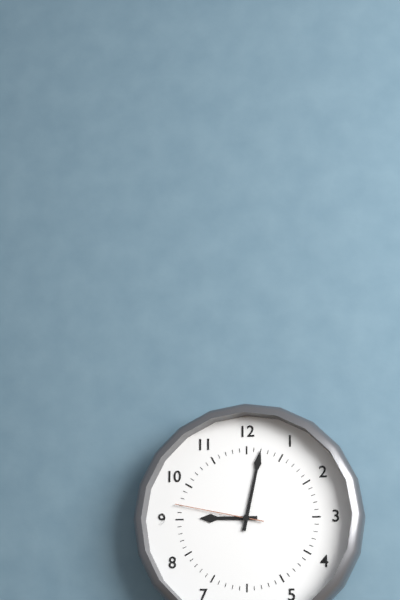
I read {"hour": 9, "minute": 2, "second": 47}
